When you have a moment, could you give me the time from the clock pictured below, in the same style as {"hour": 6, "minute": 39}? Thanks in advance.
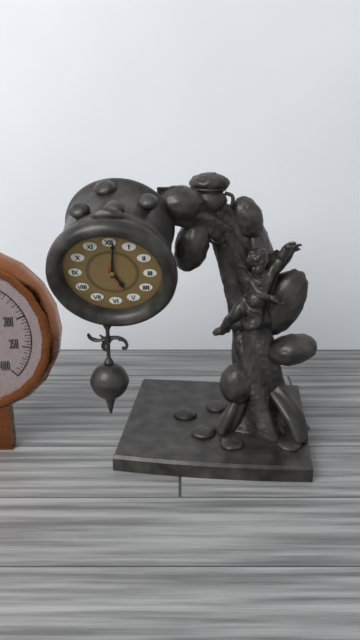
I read {"hour": 5, "minute": 1}
